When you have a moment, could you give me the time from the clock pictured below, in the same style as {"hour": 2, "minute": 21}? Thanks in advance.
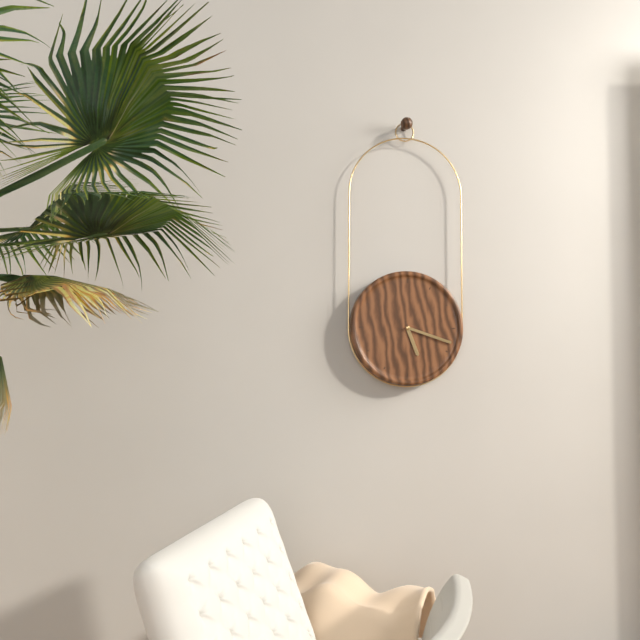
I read {"hour": 5, "minute": 18}
